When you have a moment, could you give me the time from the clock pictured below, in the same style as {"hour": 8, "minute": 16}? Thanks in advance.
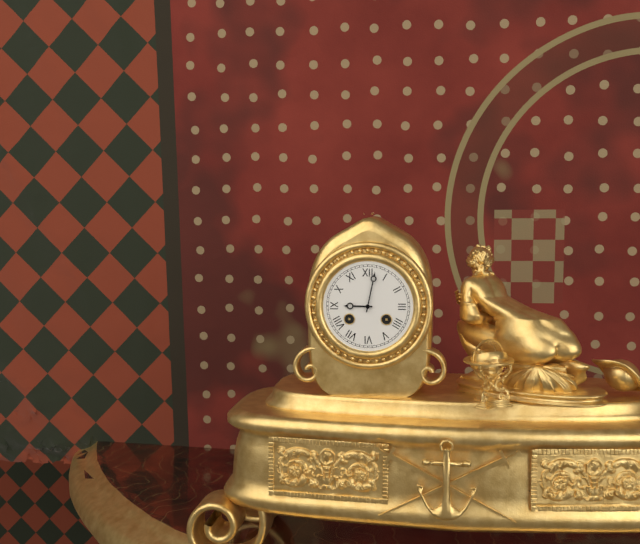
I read {"hour": 9, "minute": 2}
